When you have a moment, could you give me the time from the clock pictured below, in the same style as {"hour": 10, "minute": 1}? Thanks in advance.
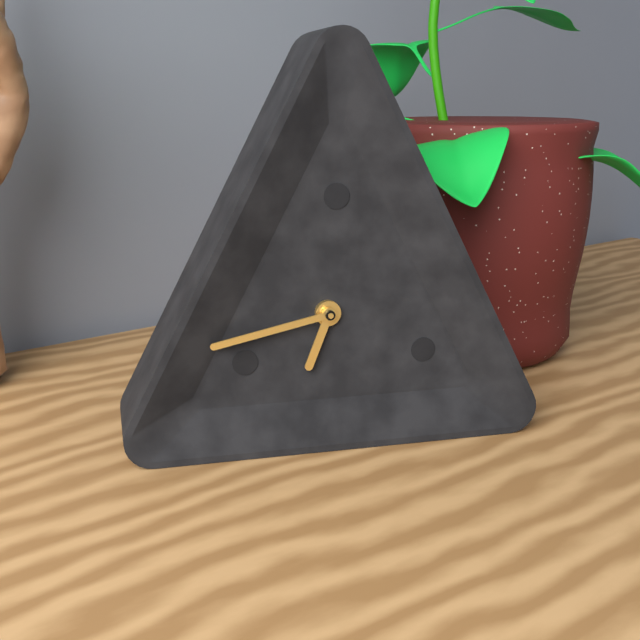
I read {"hour": 6, "minute": 43}
